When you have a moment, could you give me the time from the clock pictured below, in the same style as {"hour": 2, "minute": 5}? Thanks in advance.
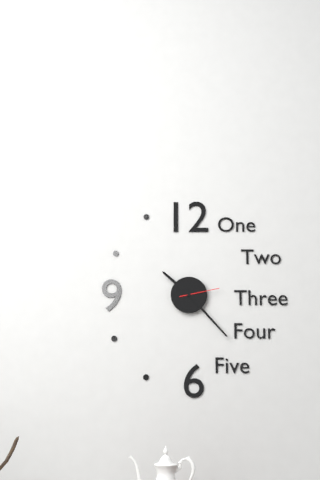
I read {"hour": 10, "minute": 23}
